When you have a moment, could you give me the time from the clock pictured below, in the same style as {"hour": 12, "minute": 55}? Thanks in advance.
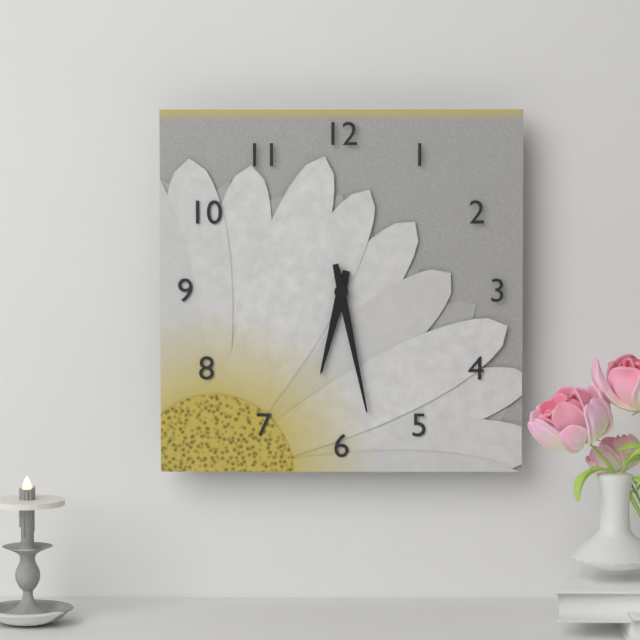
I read {"hour": 6, "minute": 28}
